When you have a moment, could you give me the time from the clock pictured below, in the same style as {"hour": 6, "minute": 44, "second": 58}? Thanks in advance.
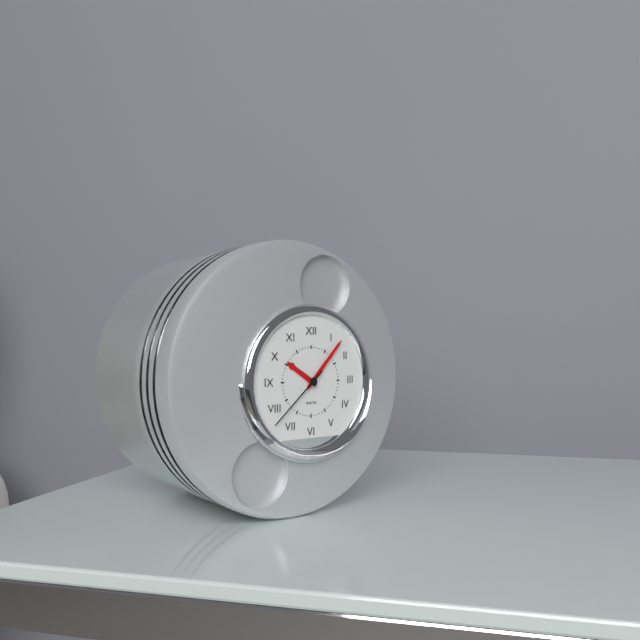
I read {"hour": 10, "minute": 7, "second": 38}
